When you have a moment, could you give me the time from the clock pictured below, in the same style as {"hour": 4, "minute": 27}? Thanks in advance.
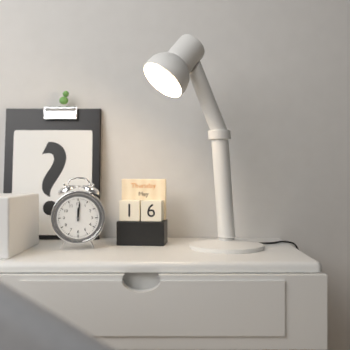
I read {"hour": 12, "minute": 1}
